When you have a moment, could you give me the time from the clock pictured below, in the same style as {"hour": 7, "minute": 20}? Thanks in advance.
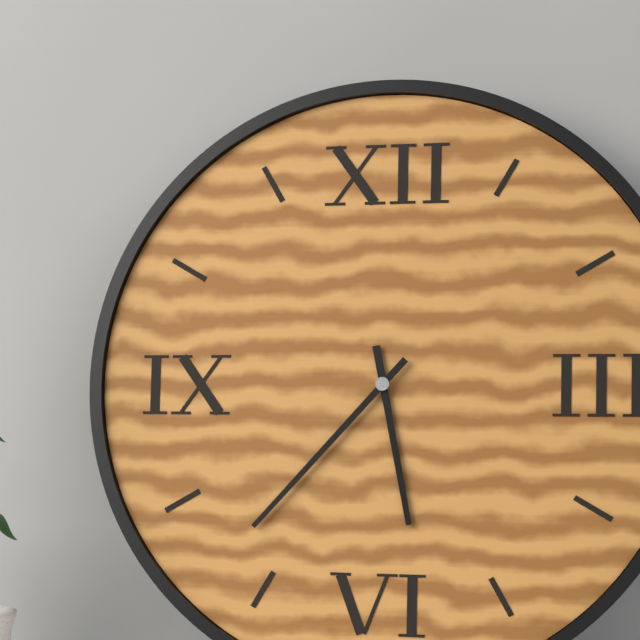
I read {"hour": 5, "minute": 37}
